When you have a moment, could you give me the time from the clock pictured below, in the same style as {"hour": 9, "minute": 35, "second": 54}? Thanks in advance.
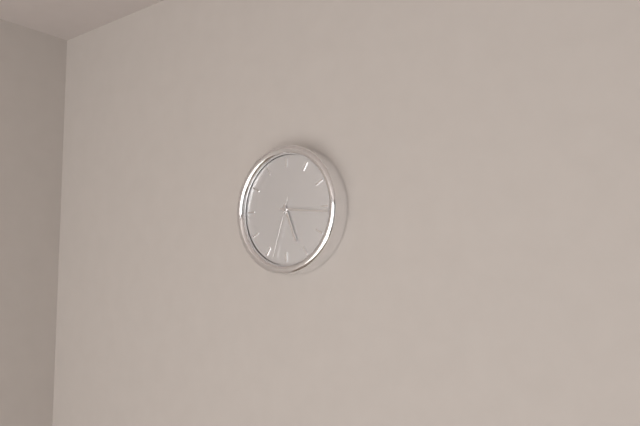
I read {"hour": 5, "minute": 16, "second": 33}
